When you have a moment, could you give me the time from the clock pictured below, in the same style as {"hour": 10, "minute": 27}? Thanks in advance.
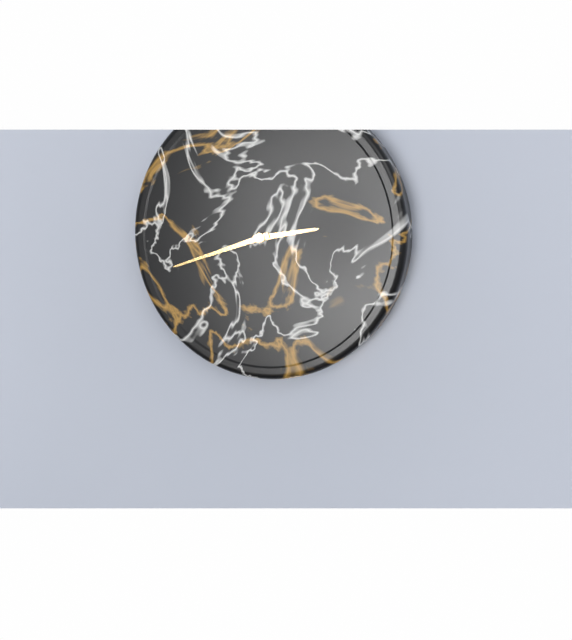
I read {"hour": 2, "minute": 42}
